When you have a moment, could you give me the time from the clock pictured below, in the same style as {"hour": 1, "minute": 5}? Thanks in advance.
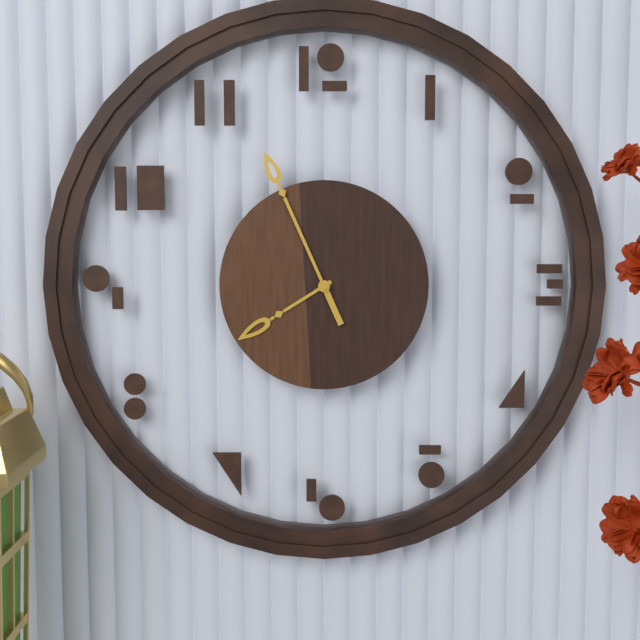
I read {"hour": 7, "minute": 56}
